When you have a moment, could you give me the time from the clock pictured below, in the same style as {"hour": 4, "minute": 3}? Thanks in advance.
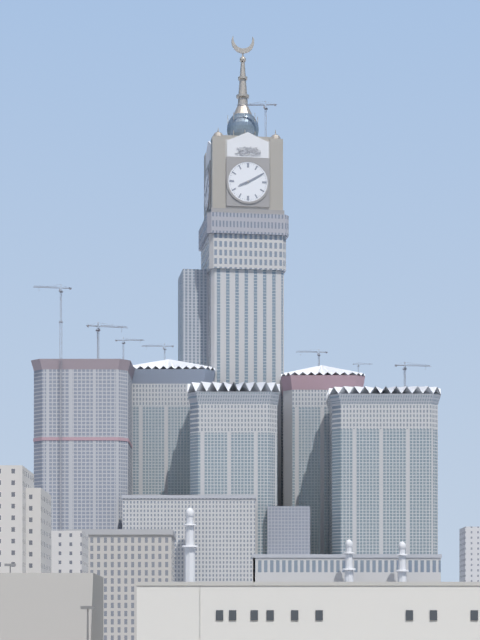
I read {"hour": 8, "minute": 10}
